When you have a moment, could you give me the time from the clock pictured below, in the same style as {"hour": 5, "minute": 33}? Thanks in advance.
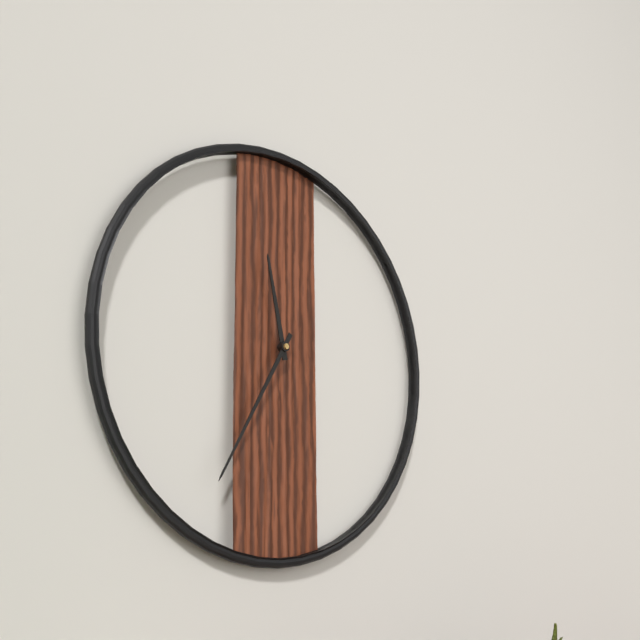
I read {"hour": 11, "minute": 35}
